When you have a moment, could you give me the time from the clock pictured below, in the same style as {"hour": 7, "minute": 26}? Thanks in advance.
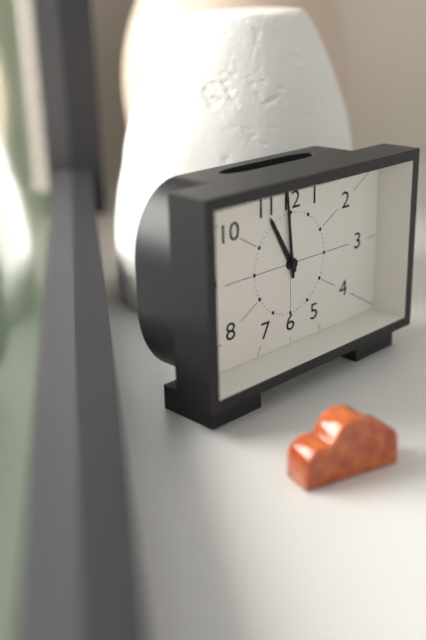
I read {"hour": 10, "minute": 59}
